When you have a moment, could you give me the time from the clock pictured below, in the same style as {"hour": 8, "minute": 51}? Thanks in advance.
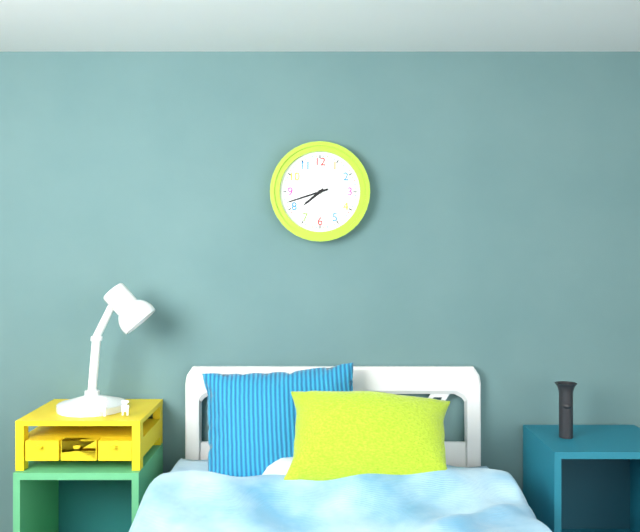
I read {"hour": 7, "minute": 42}
